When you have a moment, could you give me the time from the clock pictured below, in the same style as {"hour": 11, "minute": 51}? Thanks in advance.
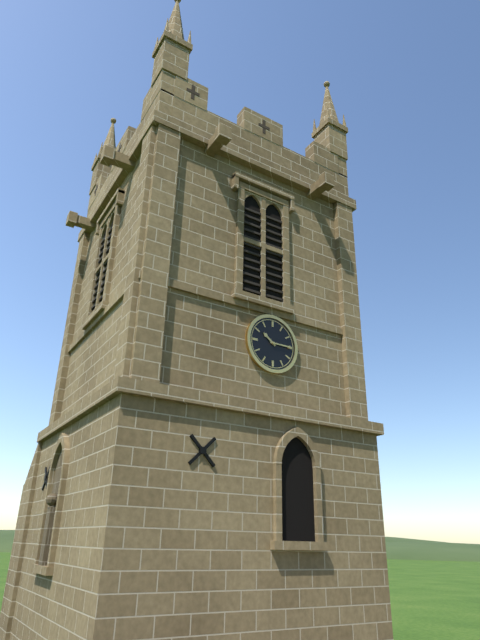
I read {"hour": 10, "minute": 15}
